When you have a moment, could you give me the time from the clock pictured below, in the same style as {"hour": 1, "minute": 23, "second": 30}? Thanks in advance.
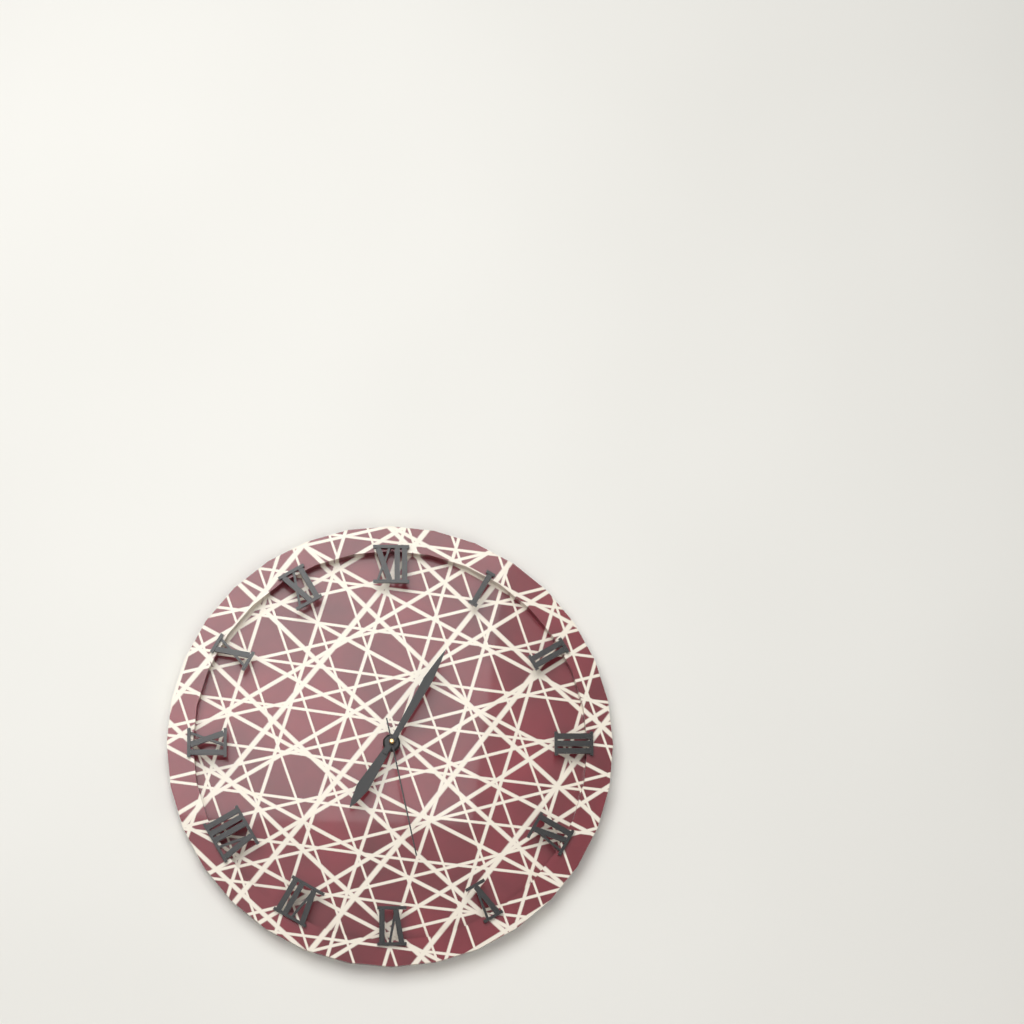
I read {"hour": 7, "minute": 5, "second": 28}
